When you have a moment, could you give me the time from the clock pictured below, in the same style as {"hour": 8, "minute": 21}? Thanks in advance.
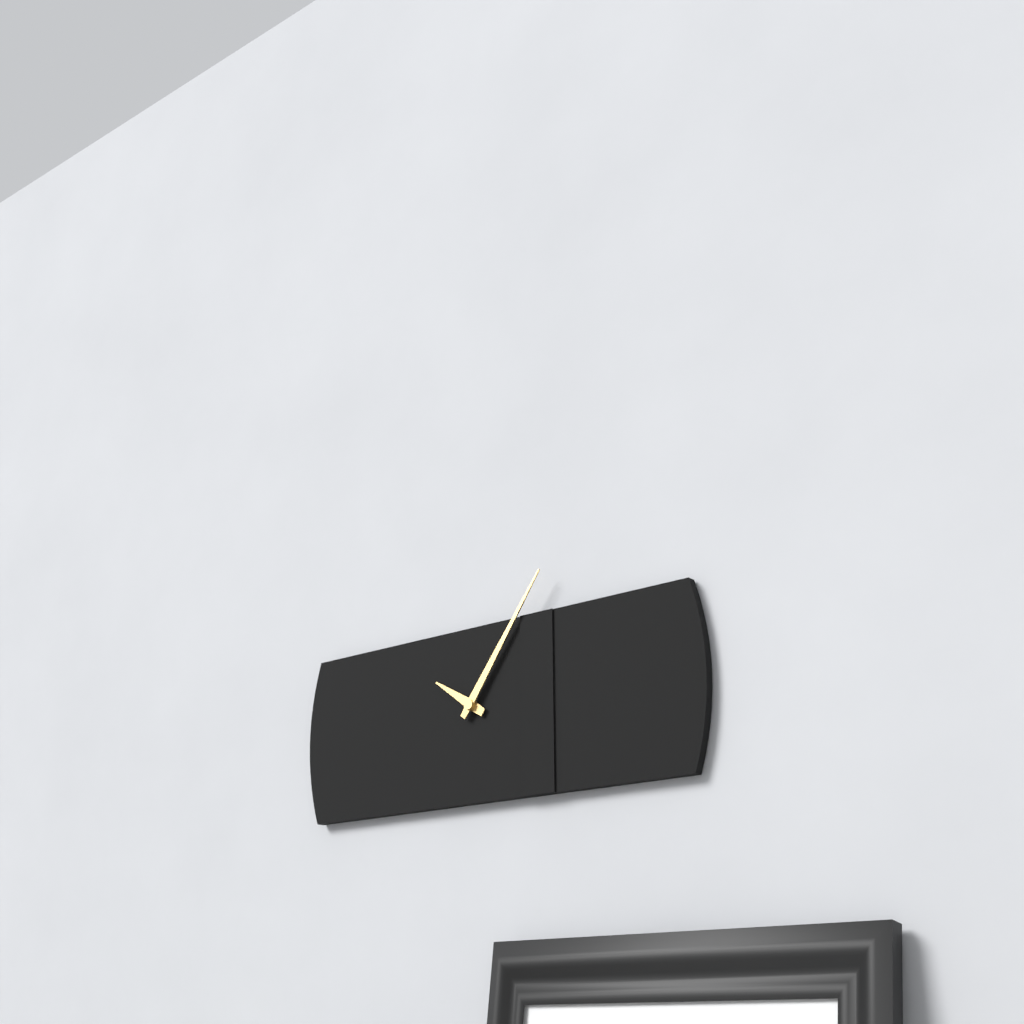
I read {"hour": 10, "minute": 6}
